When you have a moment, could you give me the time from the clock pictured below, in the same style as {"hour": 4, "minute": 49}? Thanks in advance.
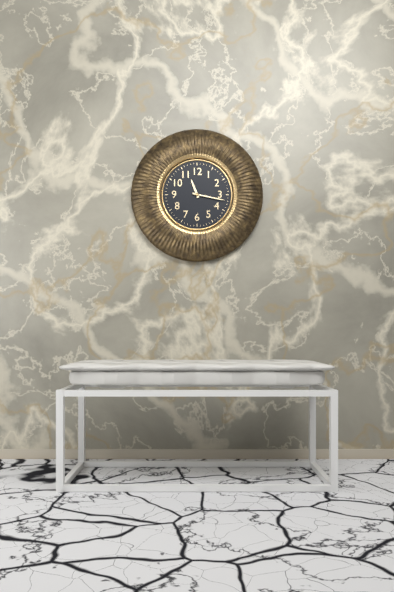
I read {"hour": 11, "minute": 17}
